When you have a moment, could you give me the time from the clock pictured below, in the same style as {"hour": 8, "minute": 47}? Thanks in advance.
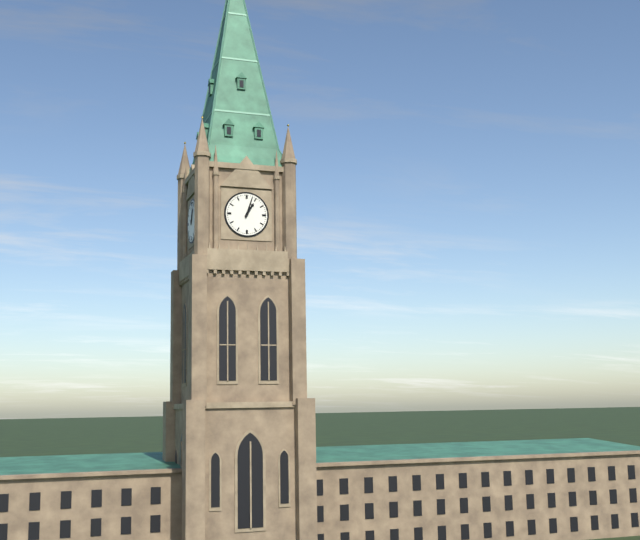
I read {"hour": 1, "minute": 3}
